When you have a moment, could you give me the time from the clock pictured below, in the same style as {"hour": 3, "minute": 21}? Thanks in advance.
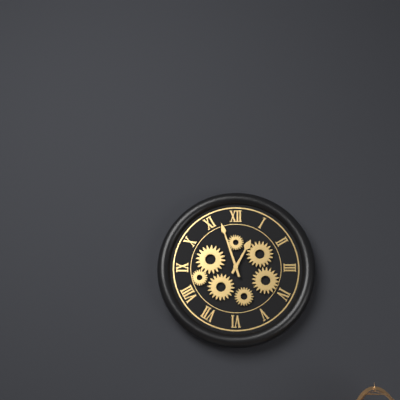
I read {"hour": 12, "minute": 57}
